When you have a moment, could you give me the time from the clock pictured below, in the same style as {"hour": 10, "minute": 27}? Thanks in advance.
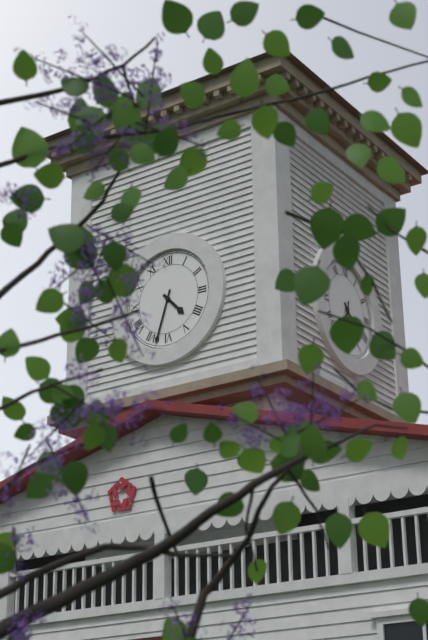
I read {"hour": 4, "minute": 33}
